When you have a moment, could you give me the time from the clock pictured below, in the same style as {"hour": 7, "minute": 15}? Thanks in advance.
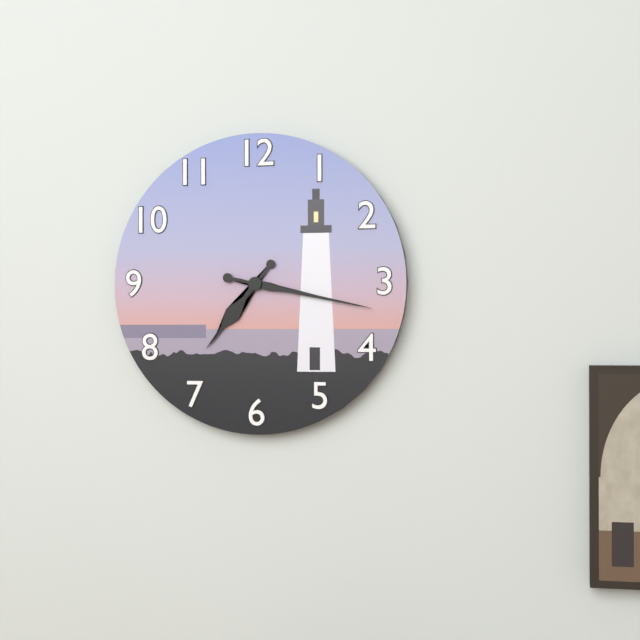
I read {"hour": 7, "minute": 17}
